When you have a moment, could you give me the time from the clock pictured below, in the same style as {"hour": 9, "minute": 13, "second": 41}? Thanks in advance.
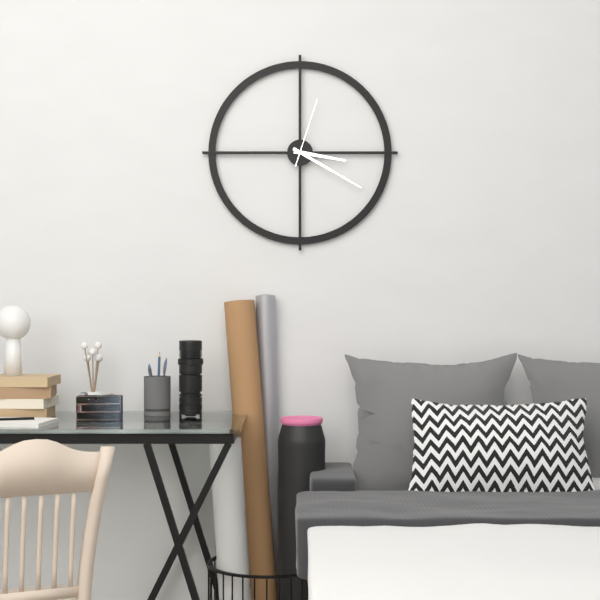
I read {"hour": 3, "minute": 20, "second": 3}
